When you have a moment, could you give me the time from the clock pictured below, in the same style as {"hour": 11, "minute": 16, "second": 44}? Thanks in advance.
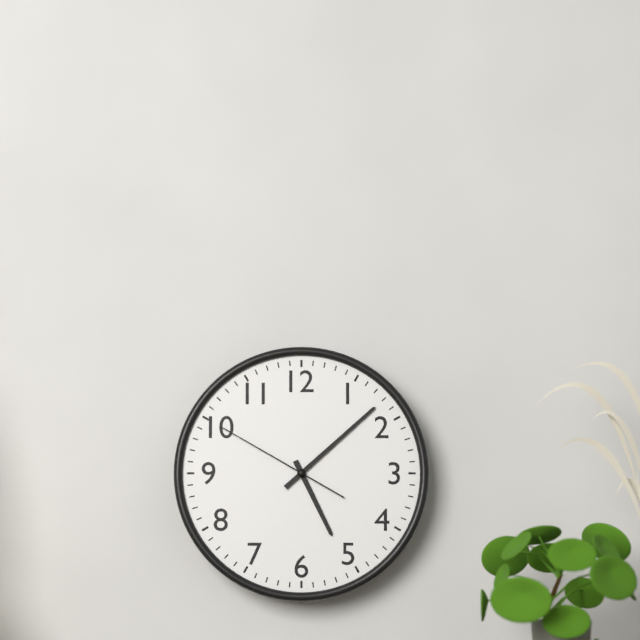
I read {"hour": 5, "minute": 8, "second": 50}
